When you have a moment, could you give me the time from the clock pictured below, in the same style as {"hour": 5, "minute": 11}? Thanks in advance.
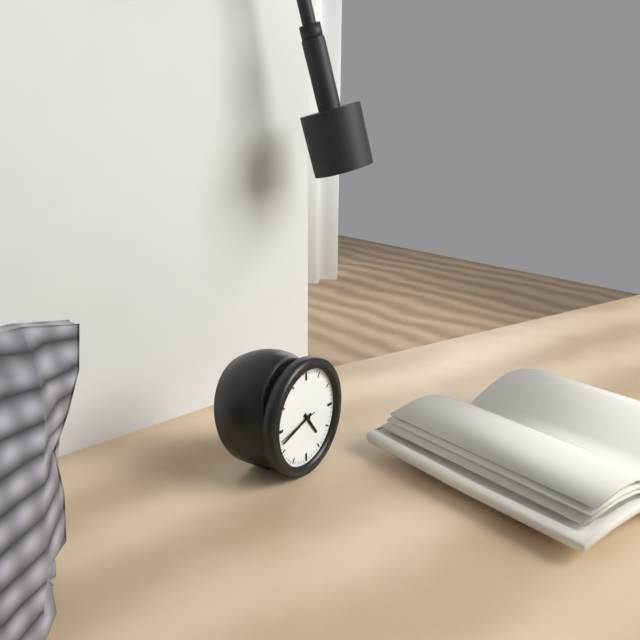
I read {"hour": 4, "minute": 42}
